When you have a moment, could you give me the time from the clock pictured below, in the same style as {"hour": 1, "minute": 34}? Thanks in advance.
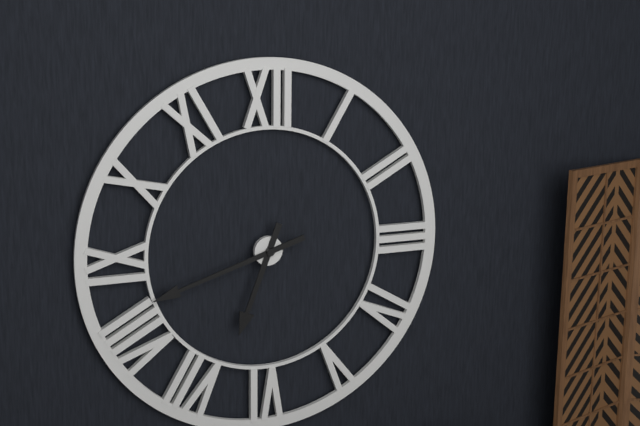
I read {"hour": 6, "minute": 42}
